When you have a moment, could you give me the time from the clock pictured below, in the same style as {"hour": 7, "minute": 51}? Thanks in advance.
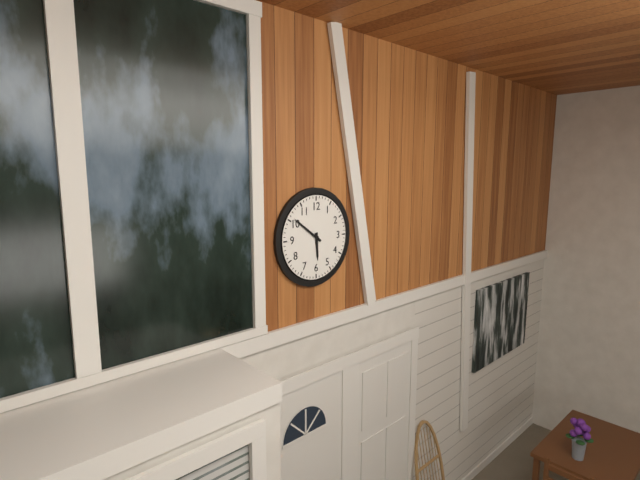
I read {"hour": 5, "minute": 51}
